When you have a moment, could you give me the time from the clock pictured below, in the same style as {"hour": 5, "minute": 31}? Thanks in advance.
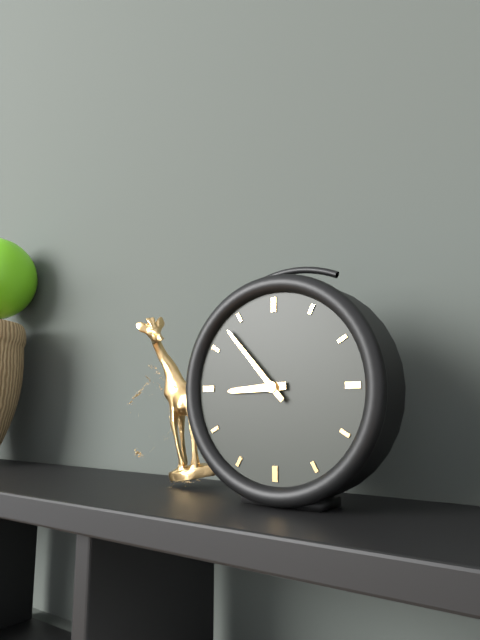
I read {"hour": 8, "minute": 53}
